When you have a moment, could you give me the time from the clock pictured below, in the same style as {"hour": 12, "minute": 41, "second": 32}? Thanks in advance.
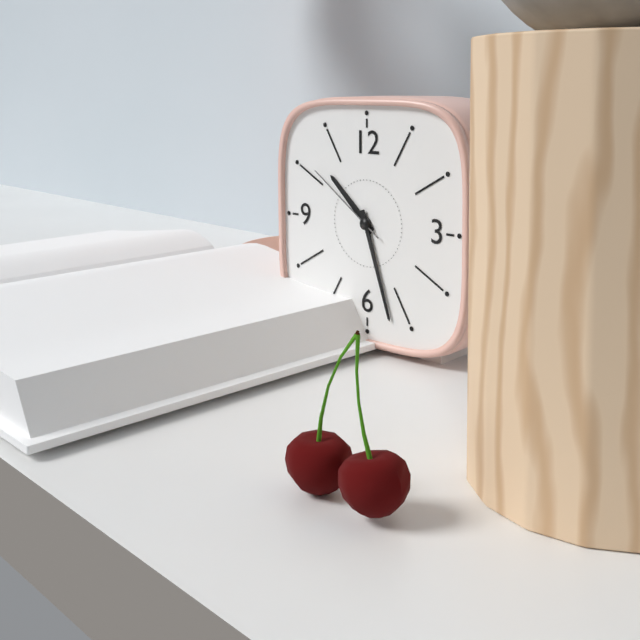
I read {"hour": 10, "minute": 27, "second": 51}
